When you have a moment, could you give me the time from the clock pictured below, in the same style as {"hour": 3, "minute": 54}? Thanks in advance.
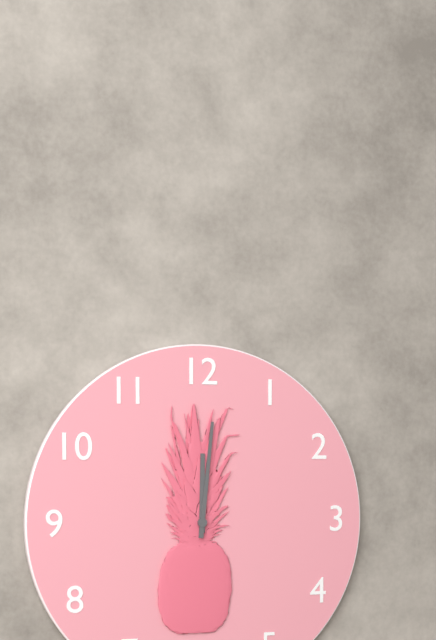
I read {"hour": 12, "minute": 1}
